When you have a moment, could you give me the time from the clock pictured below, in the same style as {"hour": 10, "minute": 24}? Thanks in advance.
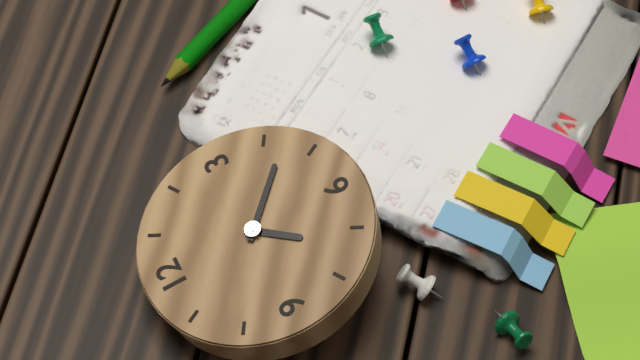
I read {"hour": 7, "minute": 22}
